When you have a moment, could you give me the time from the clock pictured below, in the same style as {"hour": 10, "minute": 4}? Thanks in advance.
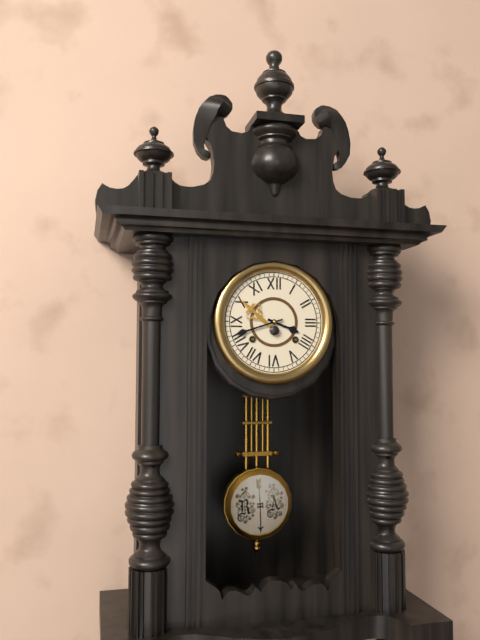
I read {"hour": 3, "minute": 42}
